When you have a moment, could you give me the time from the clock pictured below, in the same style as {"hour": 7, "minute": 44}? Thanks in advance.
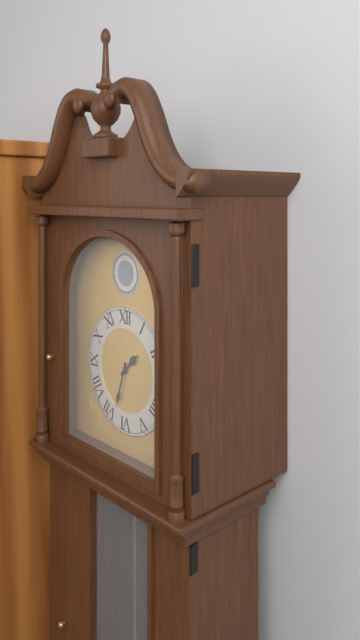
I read {"hour": 1, "minute": 33}
